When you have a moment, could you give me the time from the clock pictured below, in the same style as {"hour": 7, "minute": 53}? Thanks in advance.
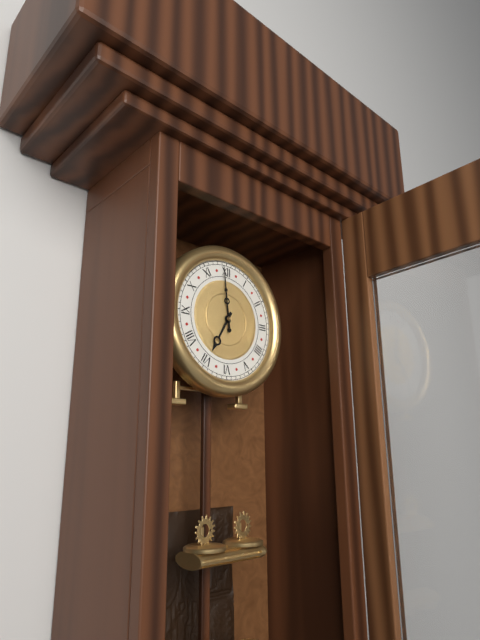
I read {"hour": 6, "minute": 59}
